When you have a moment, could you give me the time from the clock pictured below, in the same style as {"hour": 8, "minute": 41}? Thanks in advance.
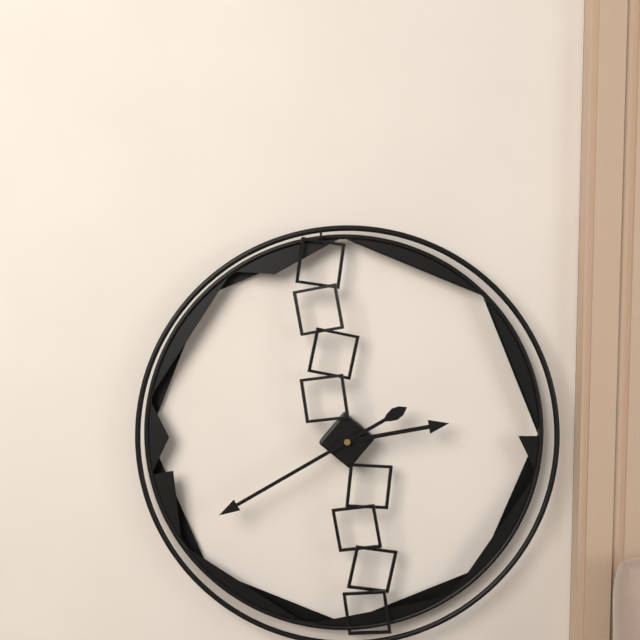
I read {"hour": 2, "minute": 40}
